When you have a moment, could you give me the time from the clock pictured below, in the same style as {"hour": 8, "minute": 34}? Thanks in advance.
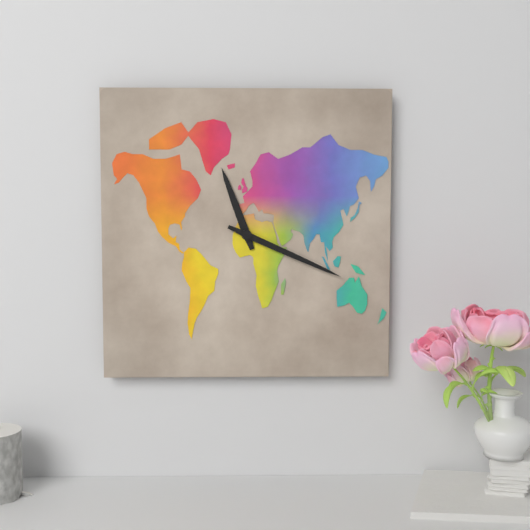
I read {"hour": 11, "minute": 19}
